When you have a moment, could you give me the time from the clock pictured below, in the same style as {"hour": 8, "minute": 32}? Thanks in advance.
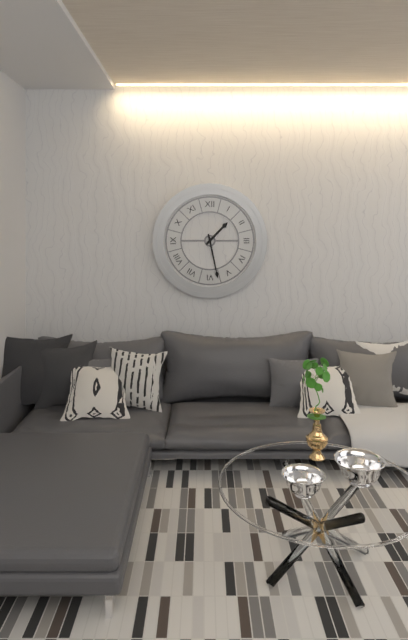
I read {"hour": 1, "minute": 28}
